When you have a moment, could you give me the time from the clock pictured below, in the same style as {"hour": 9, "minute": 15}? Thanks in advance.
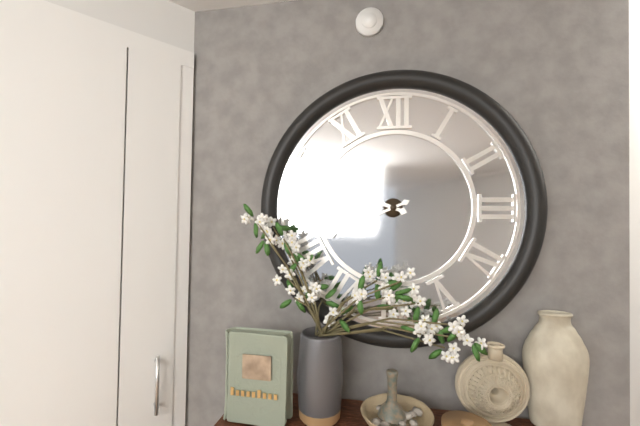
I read {"hour": 9, "minute": 41}
